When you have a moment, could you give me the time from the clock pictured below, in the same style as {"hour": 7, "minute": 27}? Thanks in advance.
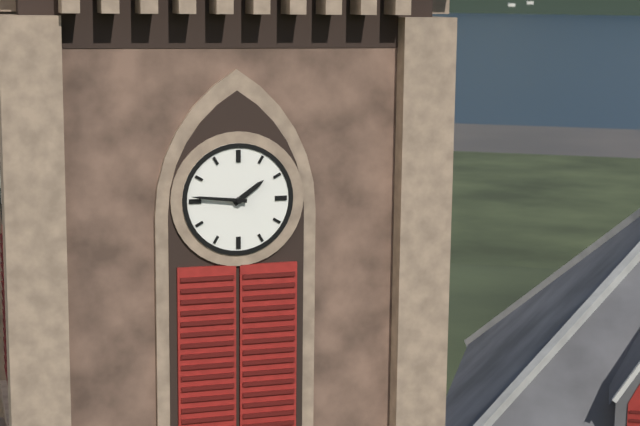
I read {"hour": 1, "minute": 46}
